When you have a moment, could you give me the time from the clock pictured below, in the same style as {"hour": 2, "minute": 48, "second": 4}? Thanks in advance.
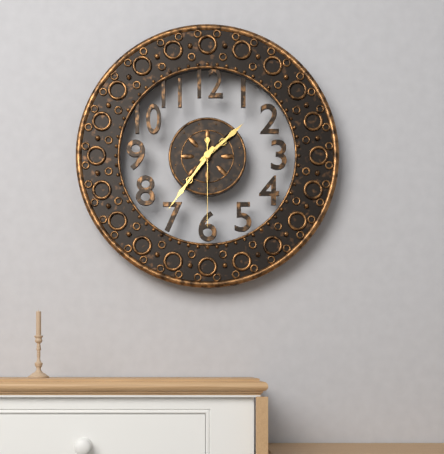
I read {"hour": 1, "minute": 36, "second": 30}
